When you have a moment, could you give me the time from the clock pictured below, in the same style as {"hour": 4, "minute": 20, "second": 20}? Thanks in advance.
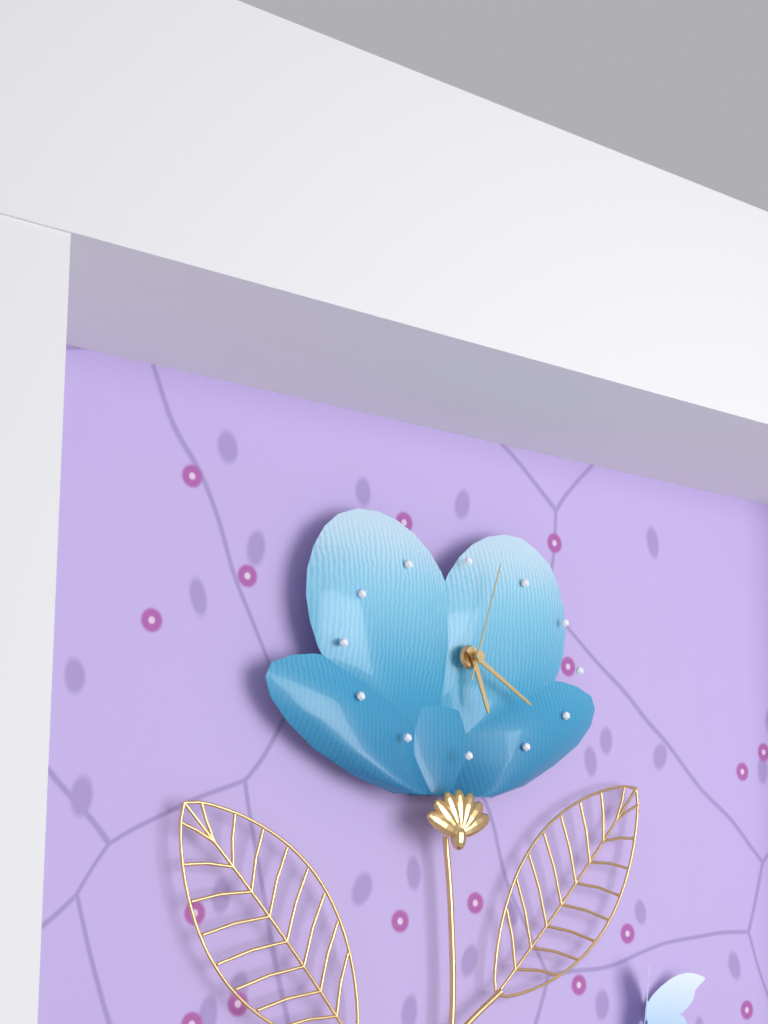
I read {"hour": 5, "minute": 20, "second": 3}
